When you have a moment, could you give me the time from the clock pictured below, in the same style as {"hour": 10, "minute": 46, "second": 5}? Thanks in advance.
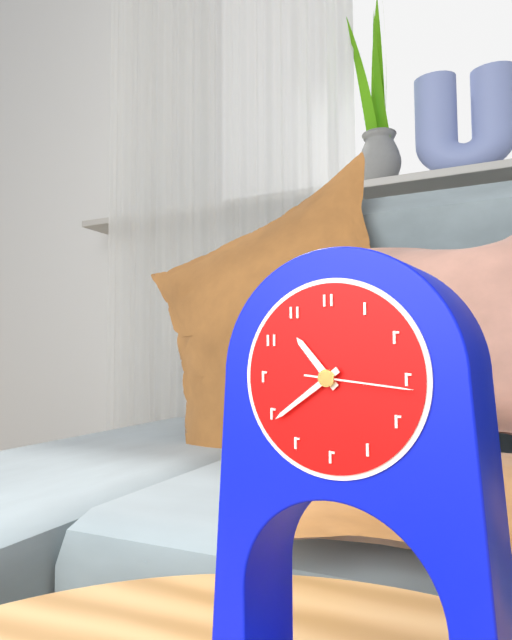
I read {"hour": 10, "minute": 39, "second": 16}
